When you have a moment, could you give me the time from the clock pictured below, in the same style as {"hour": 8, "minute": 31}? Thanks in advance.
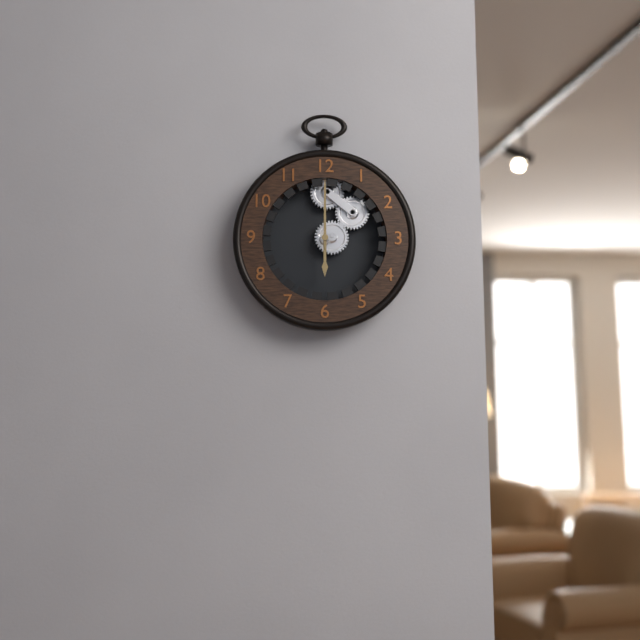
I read {"hour": 6, "minute": 0}
